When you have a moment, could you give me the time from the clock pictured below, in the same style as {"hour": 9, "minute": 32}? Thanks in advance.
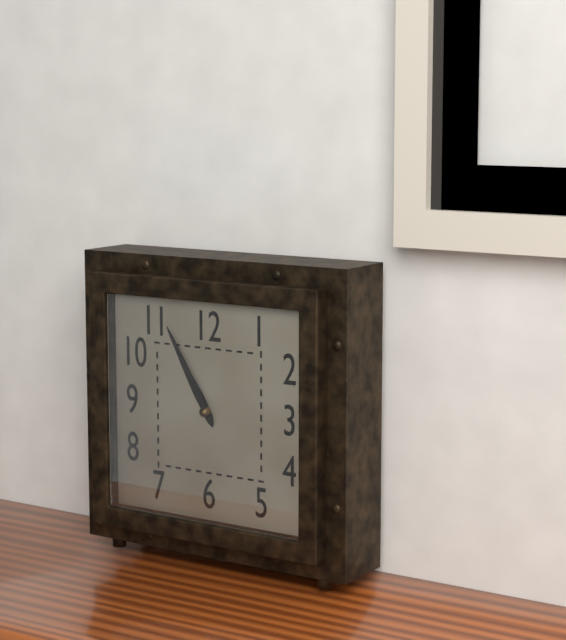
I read {"hour": 10, "minute": 55}
